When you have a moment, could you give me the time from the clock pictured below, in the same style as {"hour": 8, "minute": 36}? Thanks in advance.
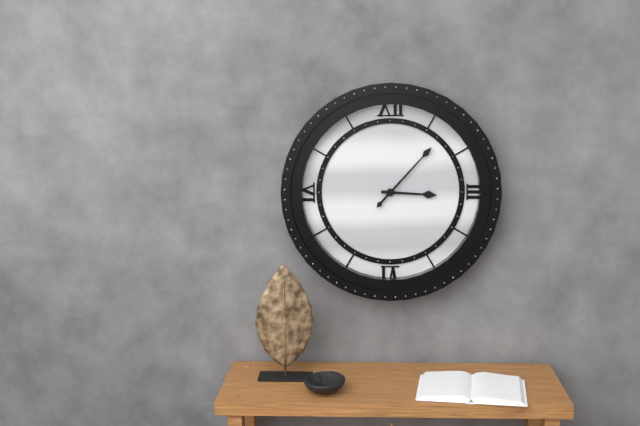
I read {"hour": 3, "minute": 7}
